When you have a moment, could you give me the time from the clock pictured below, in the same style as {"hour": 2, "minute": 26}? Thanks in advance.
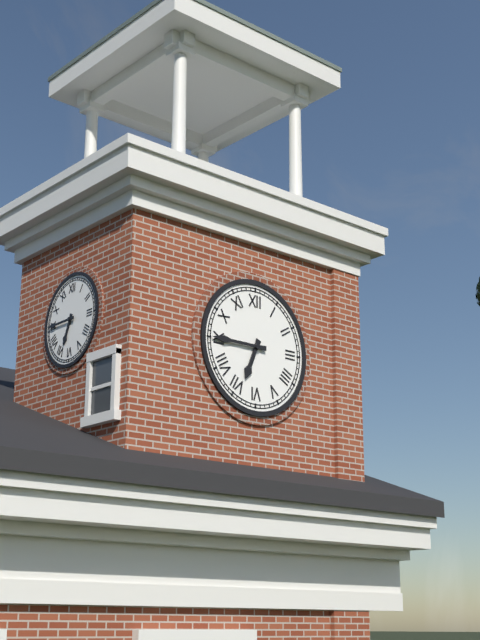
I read {"hour": 6, "minute": 45}
